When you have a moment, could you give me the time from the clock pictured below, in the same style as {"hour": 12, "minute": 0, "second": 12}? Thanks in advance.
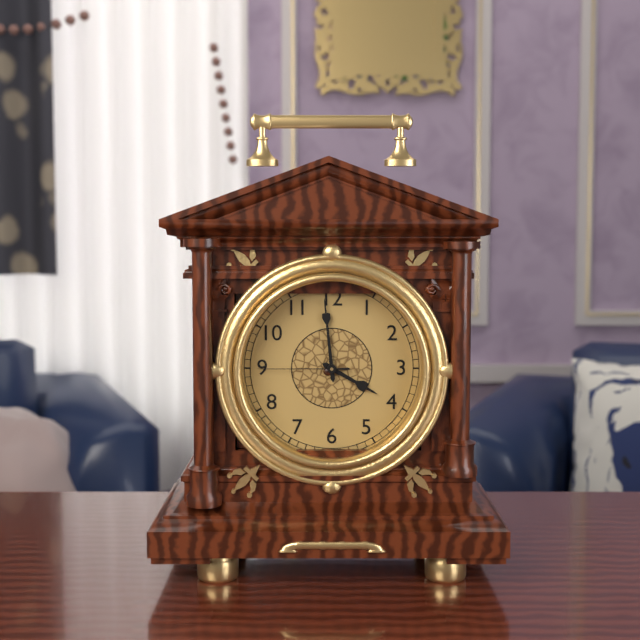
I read {"hour": 3, "minute": 59, "second": 45}
